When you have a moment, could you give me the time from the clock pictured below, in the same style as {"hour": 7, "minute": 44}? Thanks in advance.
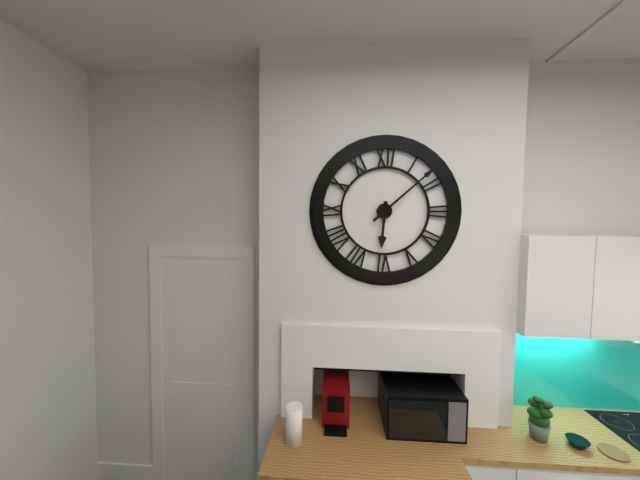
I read {"hour": 6, "minute": 8}
